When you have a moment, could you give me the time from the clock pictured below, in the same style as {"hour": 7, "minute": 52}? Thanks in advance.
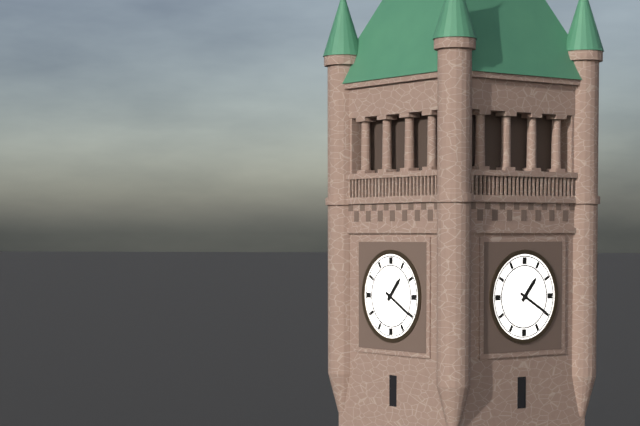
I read {"hour": 1, "minute": 20}
